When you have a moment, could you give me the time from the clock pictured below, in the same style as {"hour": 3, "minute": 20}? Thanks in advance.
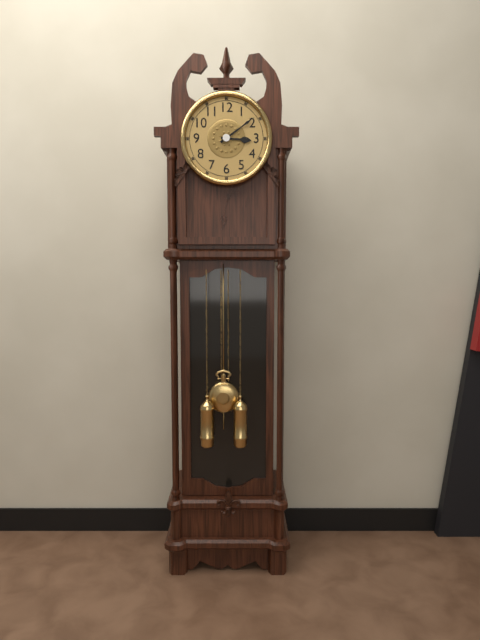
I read {"hour": 3, "minute": 9}
